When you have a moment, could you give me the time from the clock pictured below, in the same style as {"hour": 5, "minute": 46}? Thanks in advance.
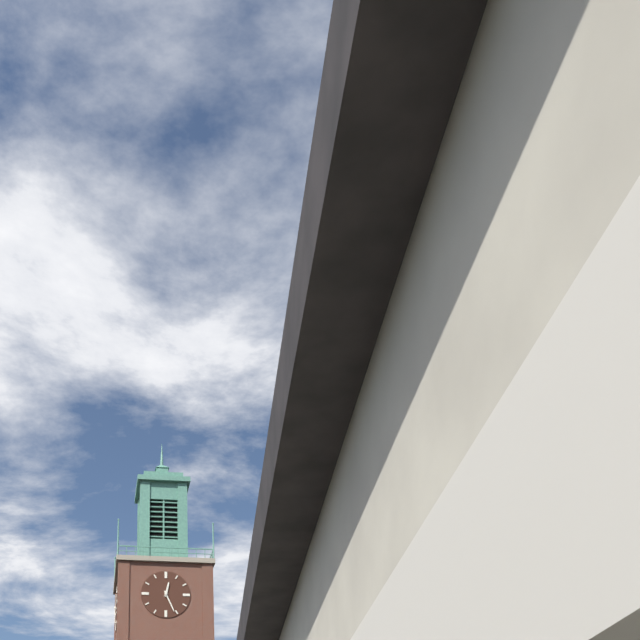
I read {"hour": 12, "minute": 26}
